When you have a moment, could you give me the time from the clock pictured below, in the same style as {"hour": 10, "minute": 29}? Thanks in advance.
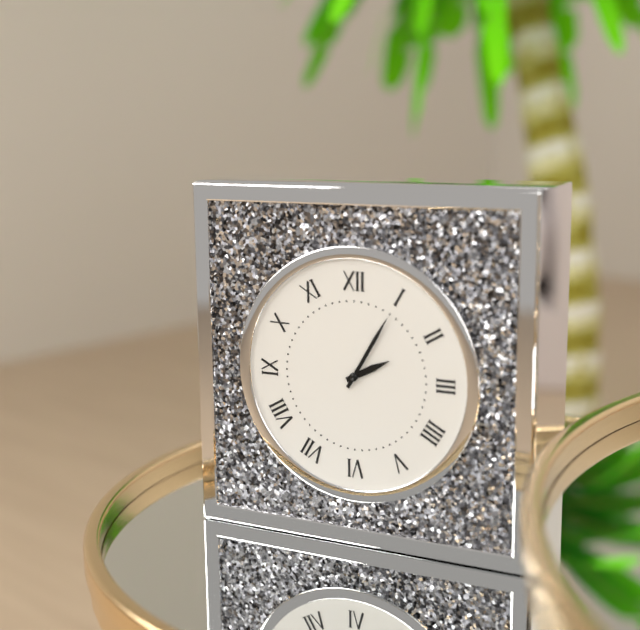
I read {"hour": 2, "minute": 5}
